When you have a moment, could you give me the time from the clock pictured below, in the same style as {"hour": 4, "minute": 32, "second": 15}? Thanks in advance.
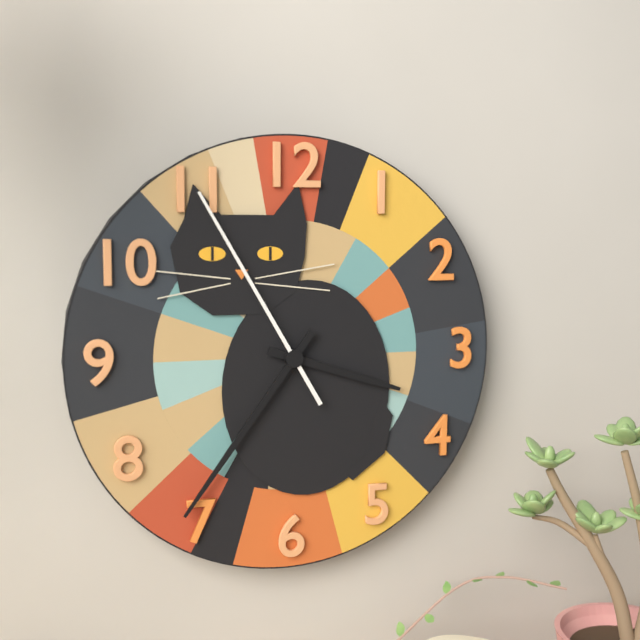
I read {"hour": 3, "minute": 36, "second": 55}
